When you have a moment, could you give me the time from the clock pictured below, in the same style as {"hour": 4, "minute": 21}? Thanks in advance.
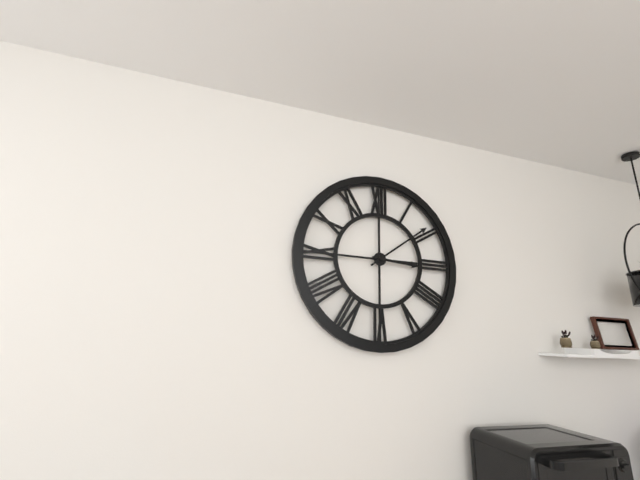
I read {"hour": 3, "minute": 9}
